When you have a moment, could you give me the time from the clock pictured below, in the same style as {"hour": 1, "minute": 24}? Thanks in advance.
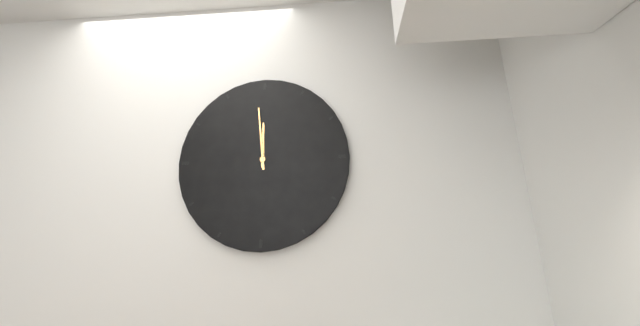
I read {"hour": 11, "minute": 59}
